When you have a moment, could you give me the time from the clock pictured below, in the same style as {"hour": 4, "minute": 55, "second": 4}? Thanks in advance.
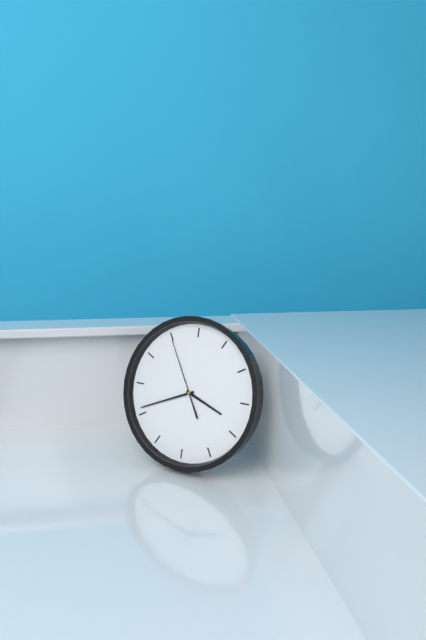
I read {"hour": 3, "minute": 41, "second": 55}
